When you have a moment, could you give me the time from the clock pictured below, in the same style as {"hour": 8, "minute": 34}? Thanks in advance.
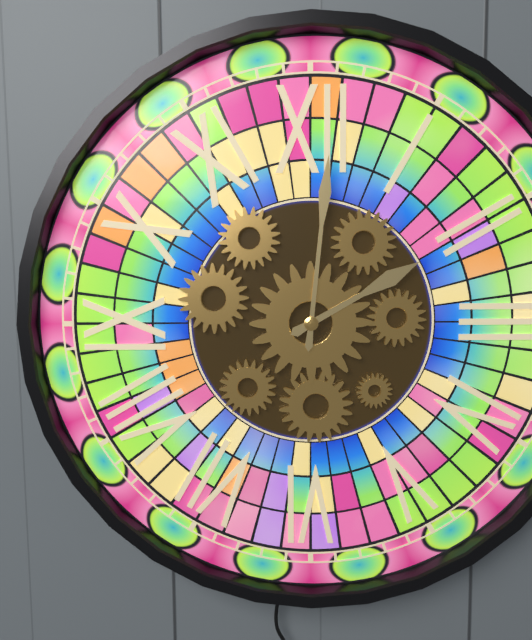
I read {"hour": 2, "minute": 1}
